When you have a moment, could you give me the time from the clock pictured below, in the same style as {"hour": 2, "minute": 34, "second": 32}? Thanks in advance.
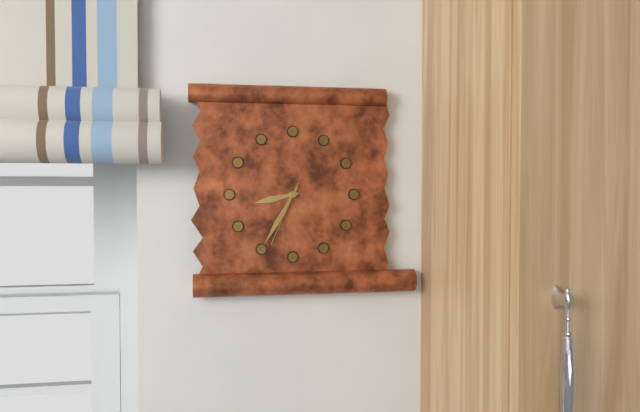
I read {"hour": 8, "minute": 35, "second": 34}
